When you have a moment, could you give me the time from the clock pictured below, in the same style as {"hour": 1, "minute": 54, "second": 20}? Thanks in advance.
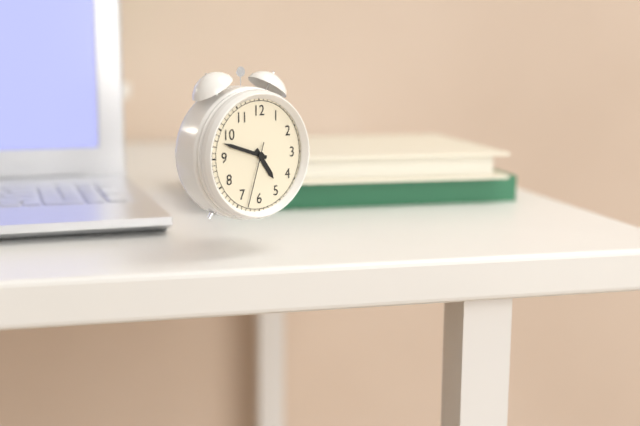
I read {"hour": 4, "minute": 48, "second": 33}
